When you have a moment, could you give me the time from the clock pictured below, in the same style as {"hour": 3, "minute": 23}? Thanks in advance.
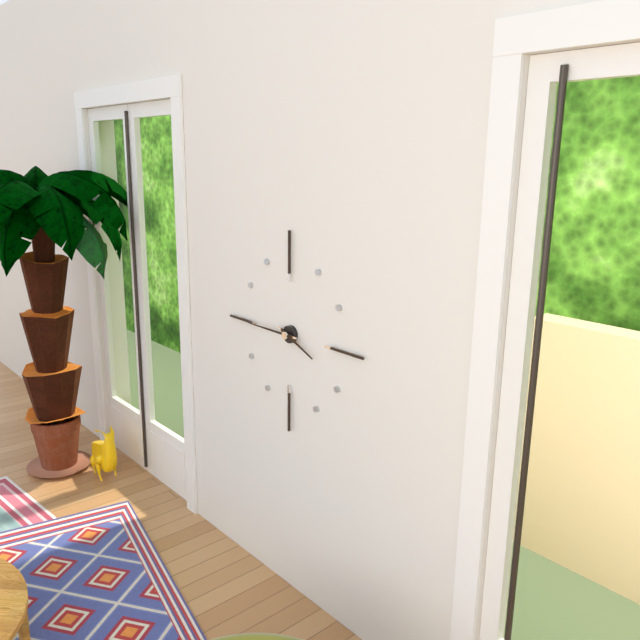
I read {"hour": 3, "minute": 45}
